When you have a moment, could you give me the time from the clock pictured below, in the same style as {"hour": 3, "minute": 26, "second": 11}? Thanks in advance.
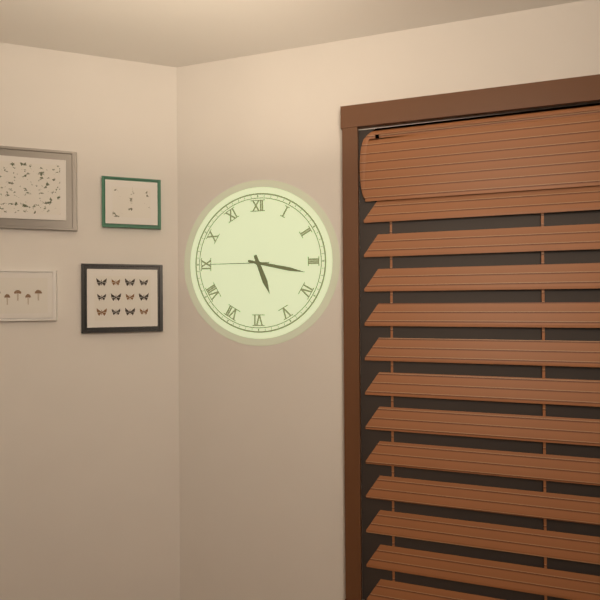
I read {"hour": 5, "minute": 17, "second": 45}
